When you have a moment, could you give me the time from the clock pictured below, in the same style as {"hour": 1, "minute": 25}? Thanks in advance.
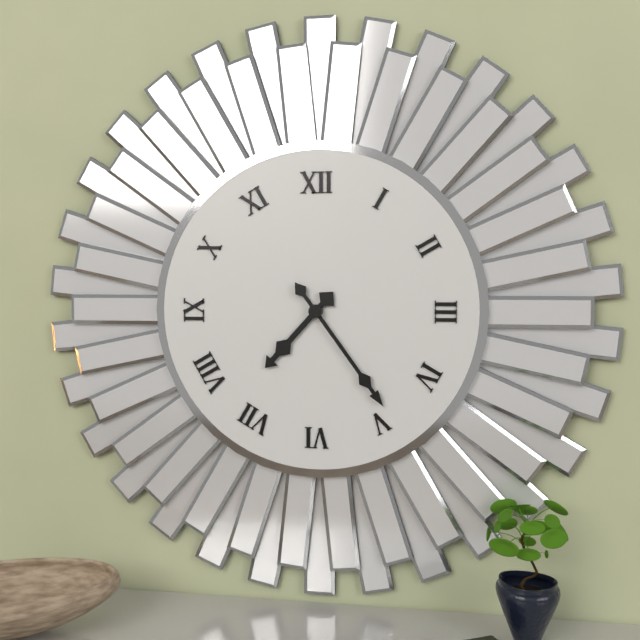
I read {"hour": 7, "minute": 24}
